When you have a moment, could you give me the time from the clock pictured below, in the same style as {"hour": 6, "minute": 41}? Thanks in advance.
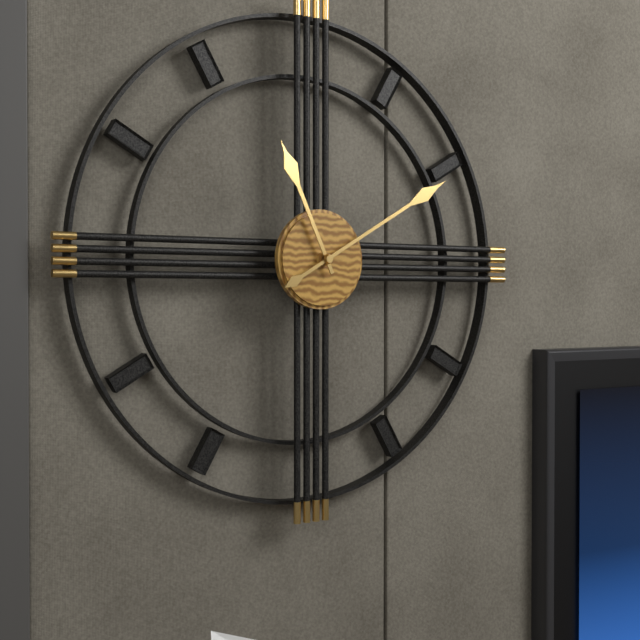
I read {"hour": 11, "minute": 10}
